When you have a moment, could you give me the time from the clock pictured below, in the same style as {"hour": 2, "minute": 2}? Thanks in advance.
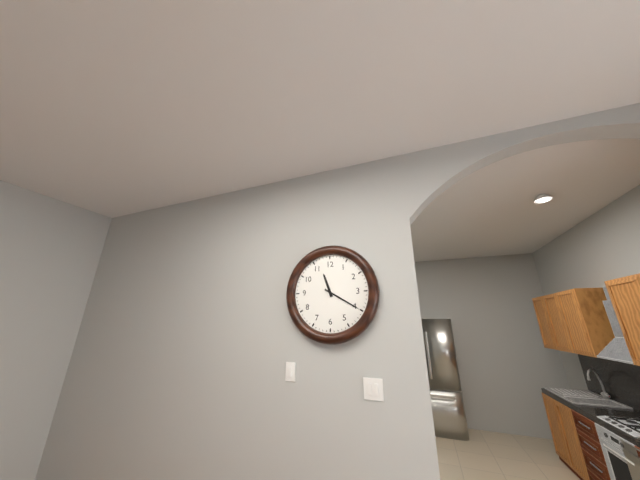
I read {"hour": 11, "minute": 20}
